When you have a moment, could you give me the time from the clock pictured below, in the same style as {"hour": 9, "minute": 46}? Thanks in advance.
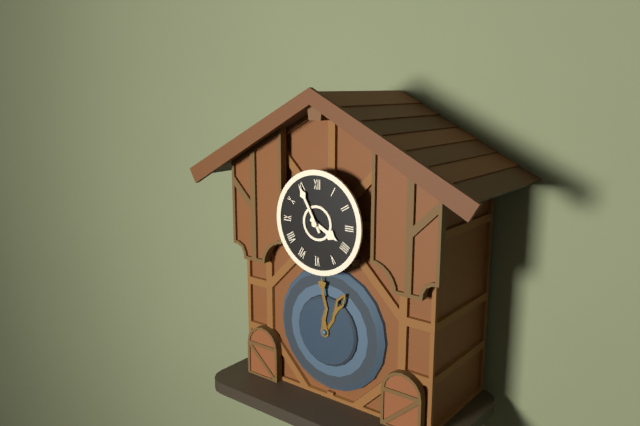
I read {"hour": 3, "minute": 55}
